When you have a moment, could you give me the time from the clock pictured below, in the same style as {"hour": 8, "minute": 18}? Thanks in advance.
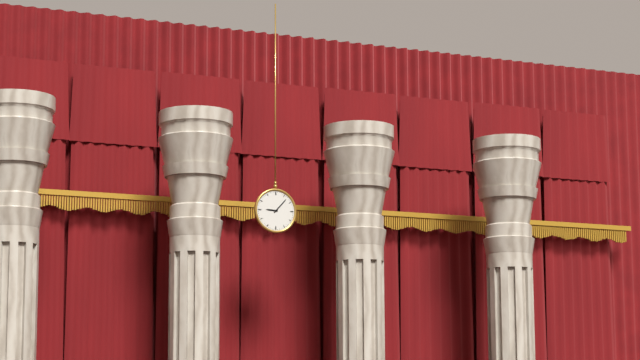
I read {"hour": 9, "minute": 7}
